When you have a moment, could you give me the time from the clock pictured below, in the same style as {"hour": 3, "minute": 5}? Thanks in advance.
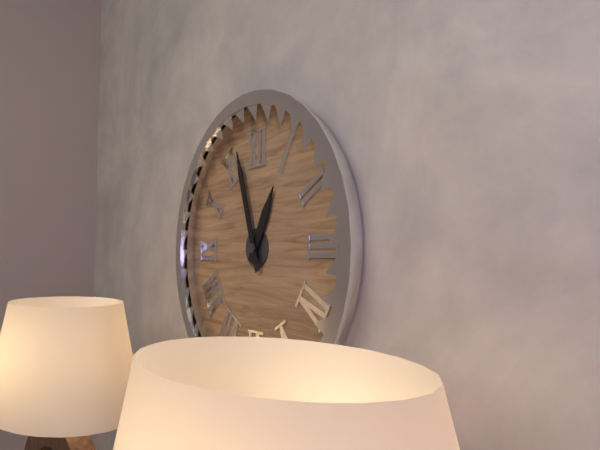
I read {"hour": 12, "minute": 57}
